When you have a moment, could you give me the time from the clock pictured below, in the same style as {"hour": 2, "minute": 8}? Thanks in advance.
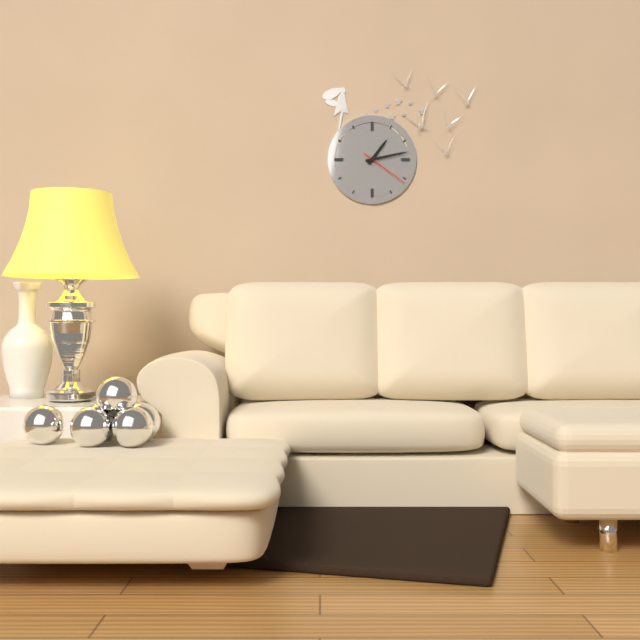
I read {"hour": 1, "minute": 13}
